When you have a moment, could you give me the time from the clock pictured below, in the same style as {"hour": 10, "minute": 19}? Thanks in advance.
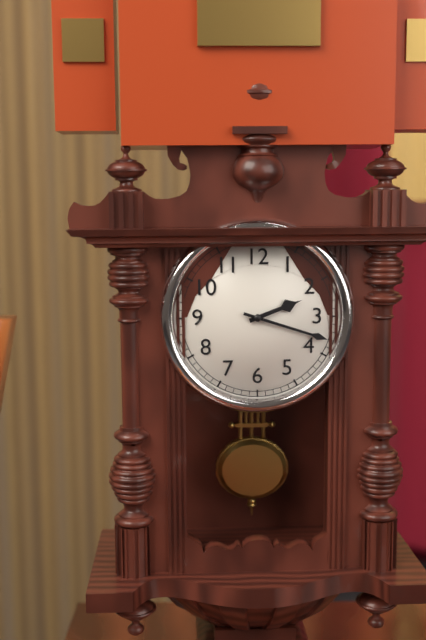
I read {"hour": 2, "minute": 18}
